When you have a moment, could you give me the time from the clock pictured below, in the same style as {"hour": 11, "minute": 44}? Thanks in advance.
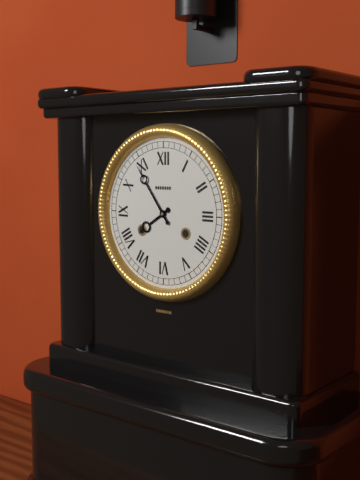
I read {"hour": 7, "minute": 54}
